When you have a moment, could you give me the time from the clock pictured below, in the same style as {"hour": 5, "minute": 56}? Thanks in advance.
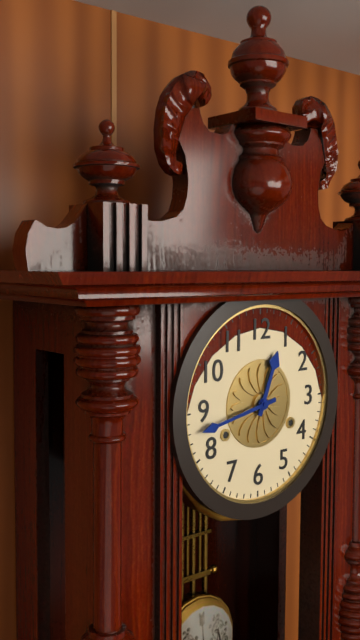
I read {"hour": 12, "minute": 43}
